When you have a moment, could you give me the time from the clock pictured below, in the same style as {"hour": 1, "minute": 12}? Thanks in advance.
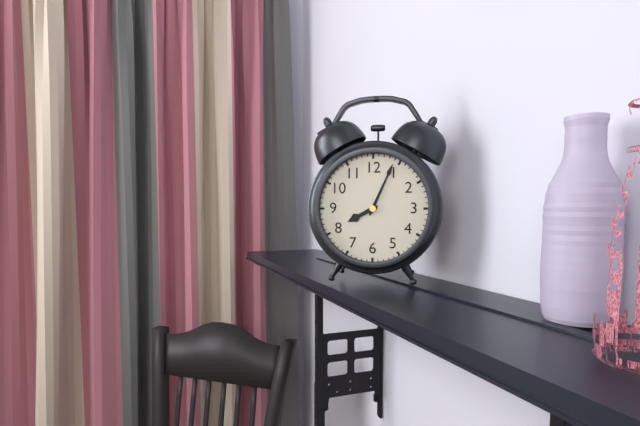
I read {"hour": 8, "minute": 4}
